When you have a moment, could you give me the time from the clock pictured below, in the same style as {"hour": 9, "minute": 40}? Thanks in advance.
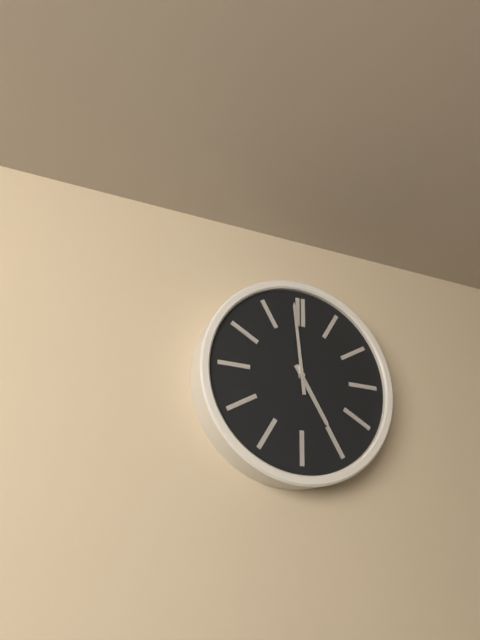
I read {"hour": 4, "minute": 59}
